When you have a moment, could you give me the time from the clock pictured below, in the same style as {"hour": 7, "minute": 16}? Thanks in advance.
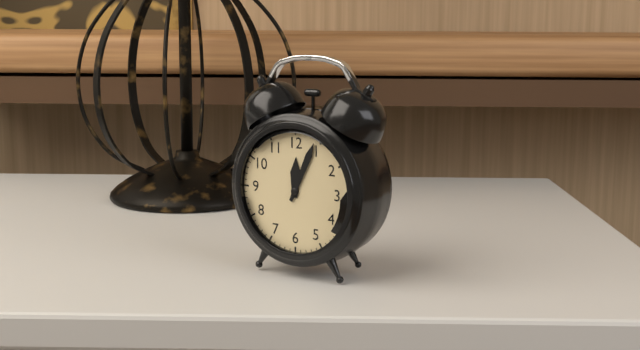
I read {"hour": 12, "minute": 4}
